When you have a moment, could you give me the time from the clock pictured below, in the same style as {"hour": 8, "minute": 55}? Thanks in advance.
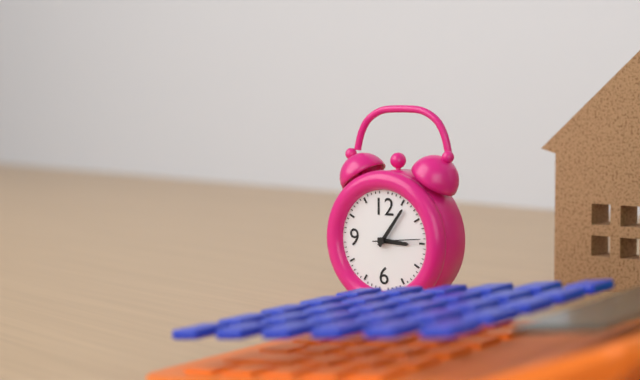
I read {"hour": 3, "minute": 6}
